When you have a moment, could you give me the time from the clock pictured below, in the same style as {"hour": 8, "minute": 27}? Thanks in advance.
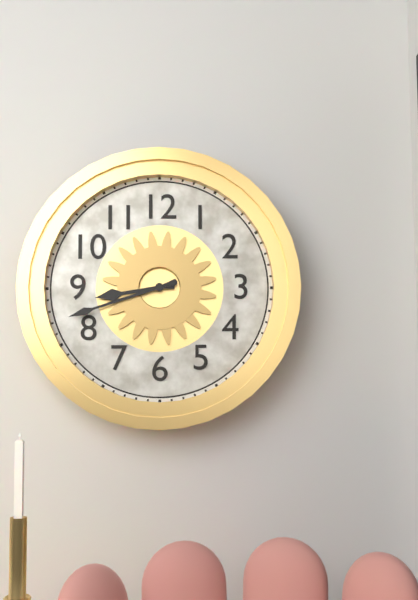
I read {"hour": 8, "minute": 42}
